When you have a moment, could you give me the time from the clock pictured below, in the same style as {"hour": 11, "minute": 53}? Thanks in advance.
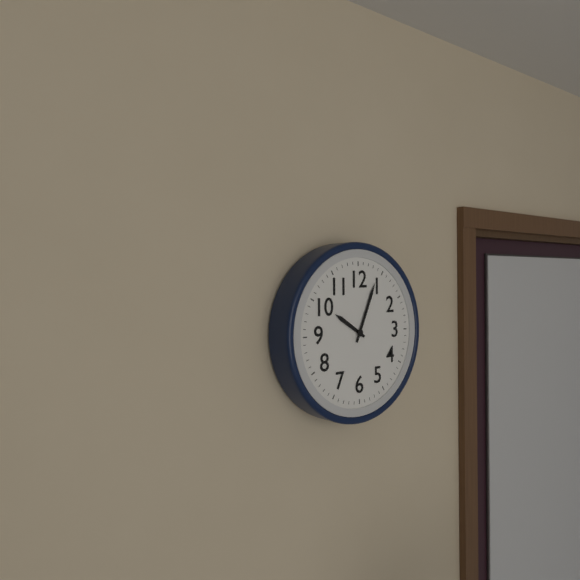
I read {"hour": 10, "minute": 4}
